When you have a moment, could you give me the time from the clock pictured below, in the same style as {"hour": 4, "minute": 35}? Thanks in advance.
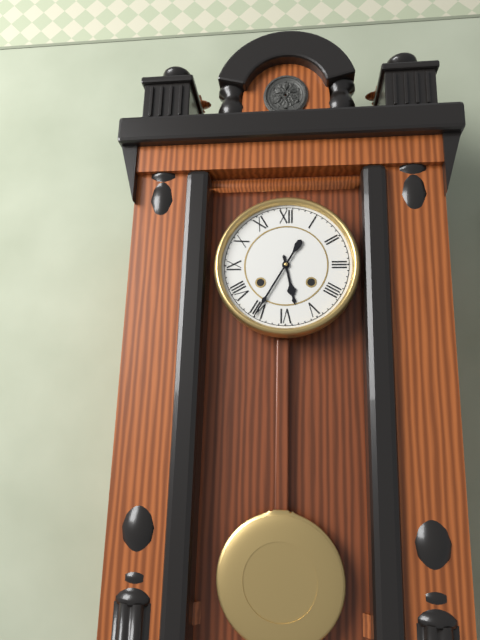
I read {"hour": 5, "minute": 35}
